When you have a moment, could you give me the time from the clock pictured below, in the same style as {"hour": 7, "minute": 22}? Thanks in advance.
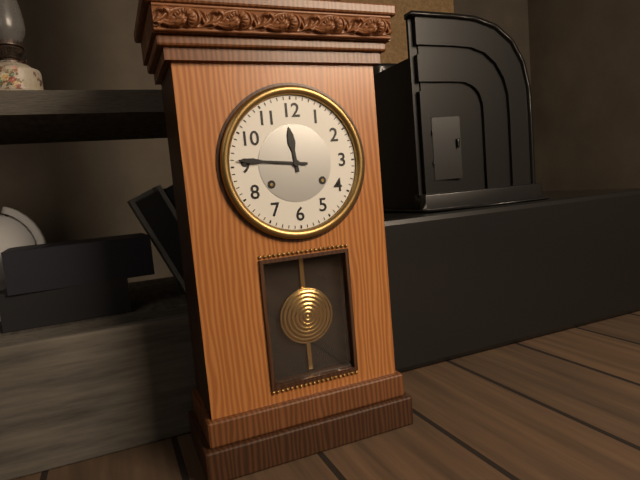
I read {"hour": 11, "minute": 46}
